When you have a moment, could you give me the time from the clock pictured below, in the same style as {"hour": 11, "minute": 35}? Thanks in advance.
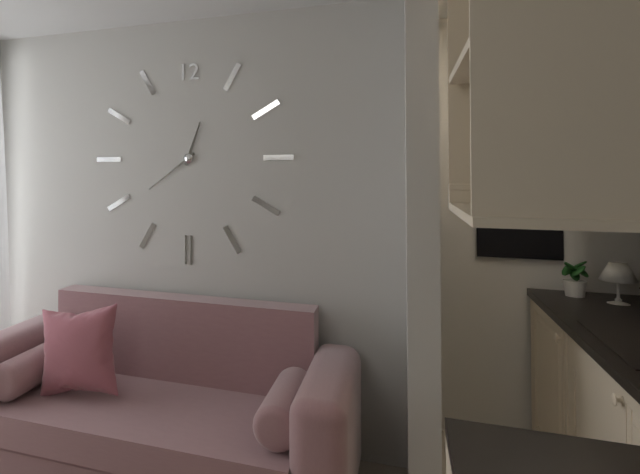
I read {"hour": 12, "minute": 39}
